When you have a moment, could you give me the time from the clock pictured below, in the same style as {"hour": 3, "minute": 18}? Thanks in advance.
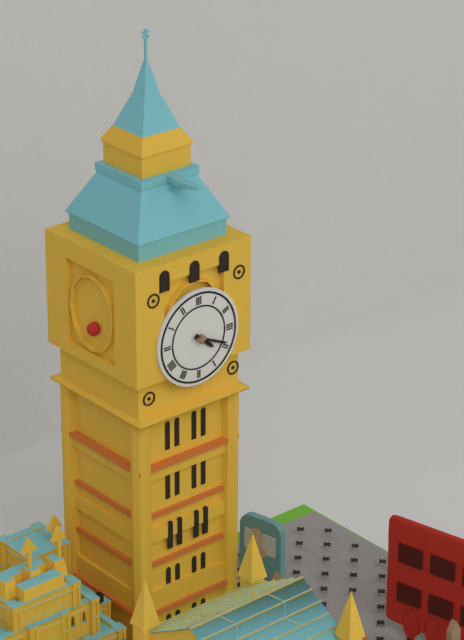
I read {"hour": 4, "minute": 19}
